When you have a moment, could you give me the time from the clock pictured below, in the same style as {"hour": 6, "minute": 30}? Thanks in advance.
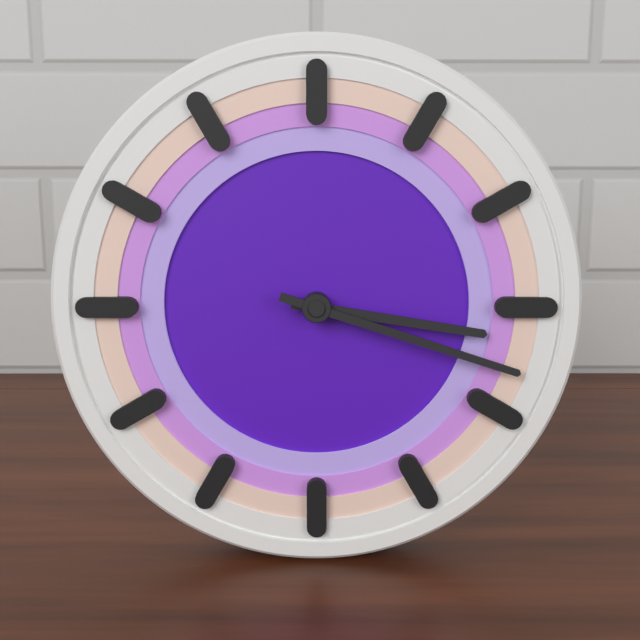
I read {"hour": 3, "minute": 18}
